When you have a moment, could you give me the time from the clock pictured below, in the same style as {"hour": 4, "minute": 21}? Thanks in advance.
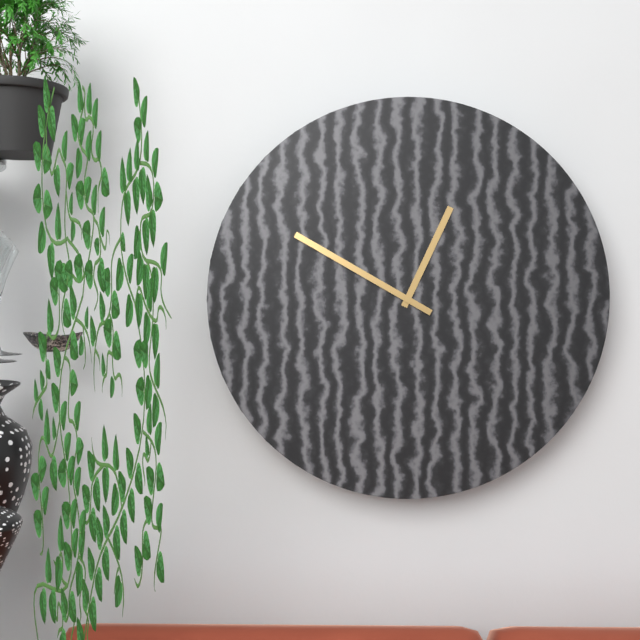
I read {"hour": 12, "minute": 50}
